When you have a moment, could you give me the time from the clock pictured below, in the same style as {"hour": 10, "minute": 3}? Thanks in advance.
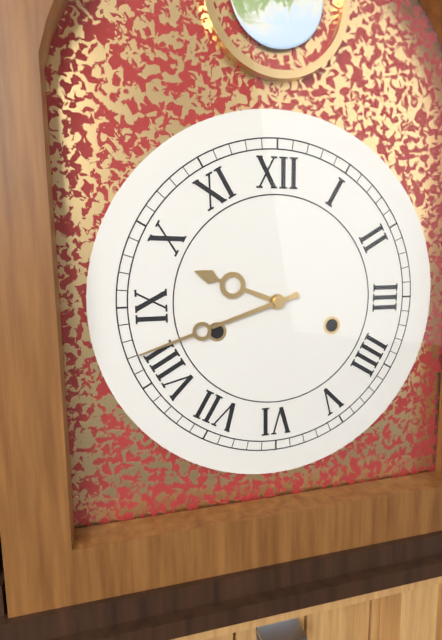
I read {"hour": 9, "minute": 42}
